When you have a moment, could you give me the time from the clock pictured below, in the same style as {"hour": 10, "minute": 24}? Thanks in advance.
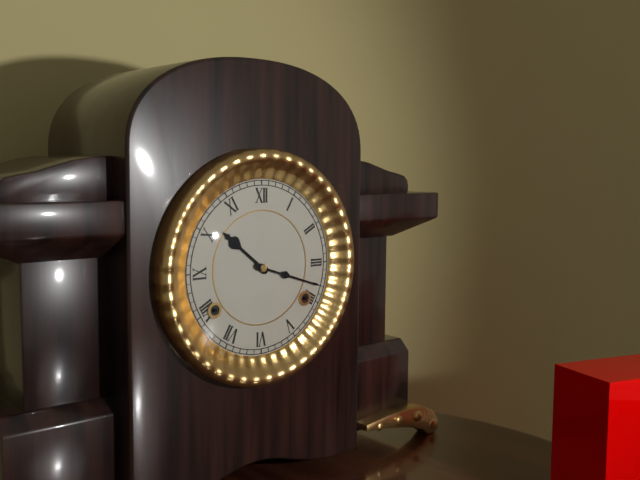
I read {"hour": 10, "minute": 18}
